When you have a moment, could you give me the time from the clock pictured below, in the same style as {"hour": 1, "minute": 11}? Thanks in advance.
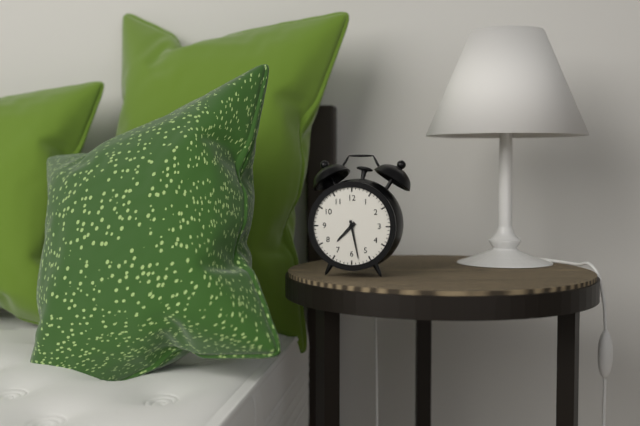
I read {"hour": 7, "minute": 28}
